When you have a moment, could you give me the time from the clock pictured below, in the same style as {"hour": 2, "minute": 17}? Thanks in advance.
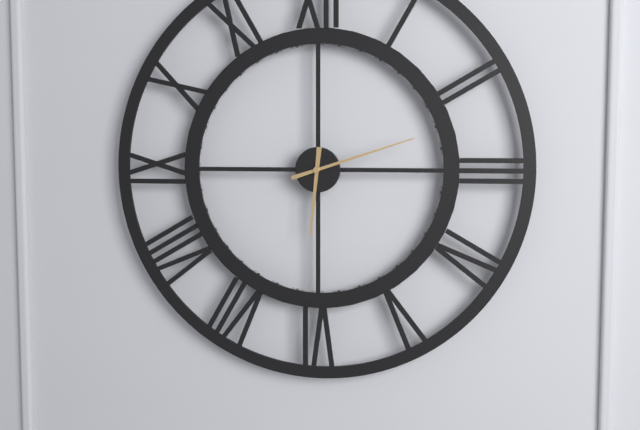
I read {"hour": 6, "minute": 12}
